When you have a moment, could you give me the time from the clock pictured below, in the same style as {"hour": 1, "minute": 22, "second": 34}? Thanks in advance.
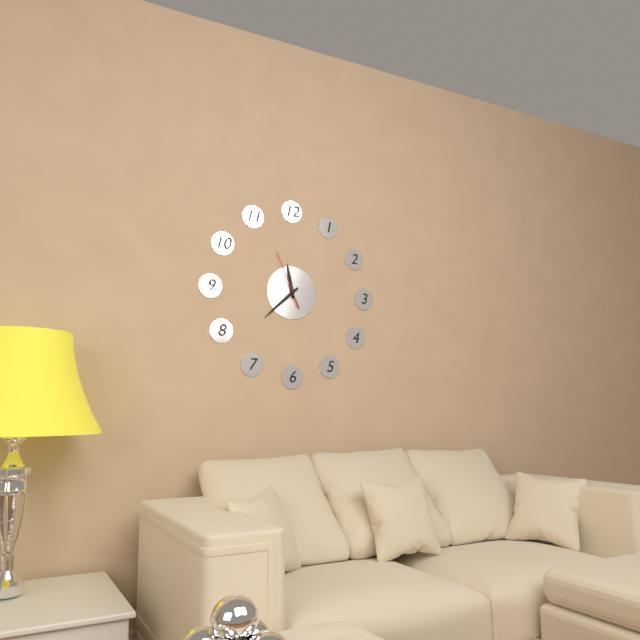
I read {"hour": 11, "minute": 38, "second": 56}
